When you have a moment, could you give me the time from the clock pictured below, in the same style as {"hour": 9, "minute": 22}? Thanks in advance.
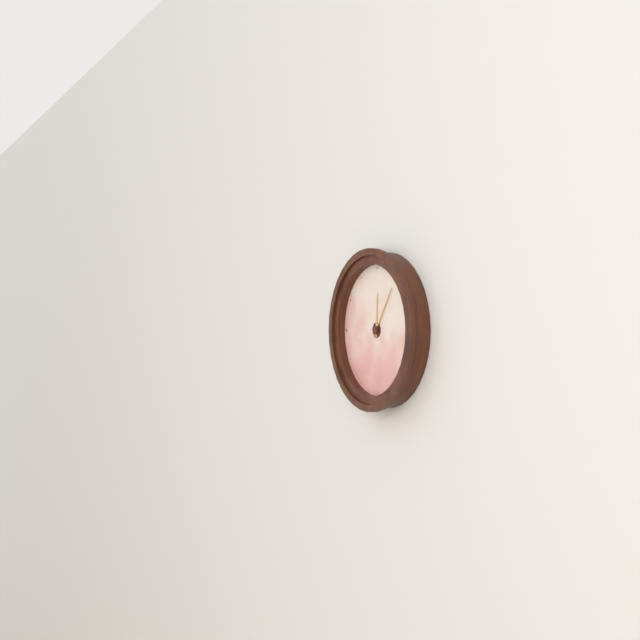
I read {"hour": 12, "minute": 6}
